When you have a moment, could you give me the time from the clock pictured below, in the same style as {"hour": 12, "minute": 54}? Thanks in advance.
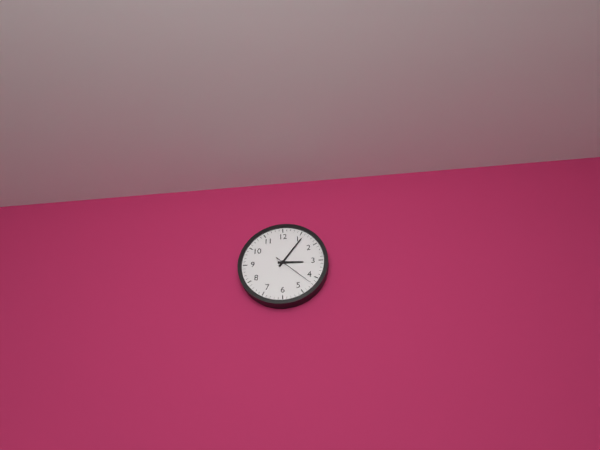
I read {"hour": 3, "minute": 6}
